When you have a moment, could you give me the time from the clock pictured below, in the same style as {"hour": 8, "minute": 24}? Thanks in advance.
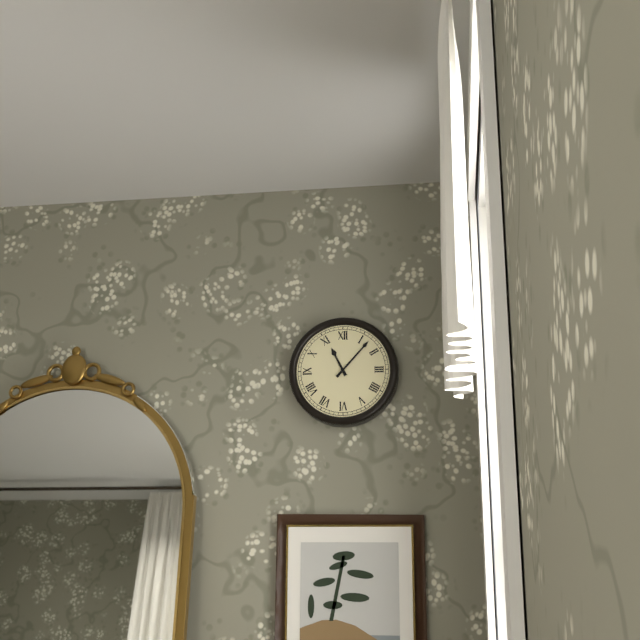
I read {"hour": 11, "minute": 7}
